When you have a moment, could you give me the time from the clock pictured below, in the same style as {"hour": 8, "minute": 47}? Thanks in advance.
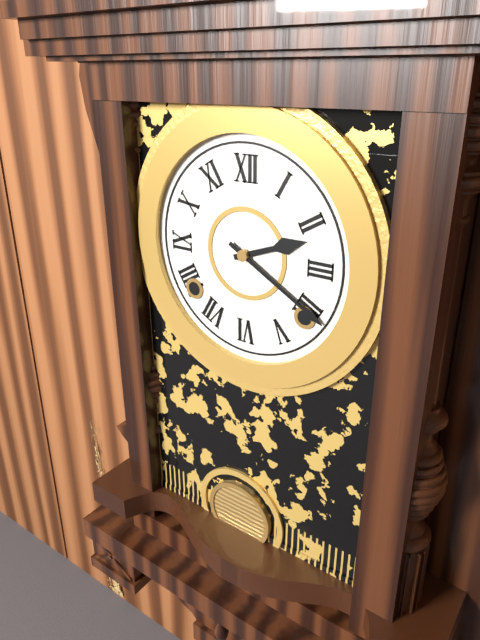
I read {"hour": 2, "minute": 20}
